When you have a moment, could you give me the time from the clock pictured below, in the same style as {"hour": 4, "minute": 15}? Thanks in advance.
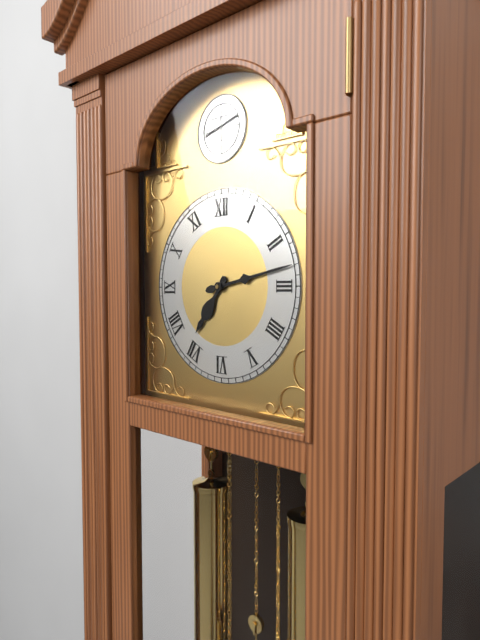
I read {"hour": 7, "minute": 13}
